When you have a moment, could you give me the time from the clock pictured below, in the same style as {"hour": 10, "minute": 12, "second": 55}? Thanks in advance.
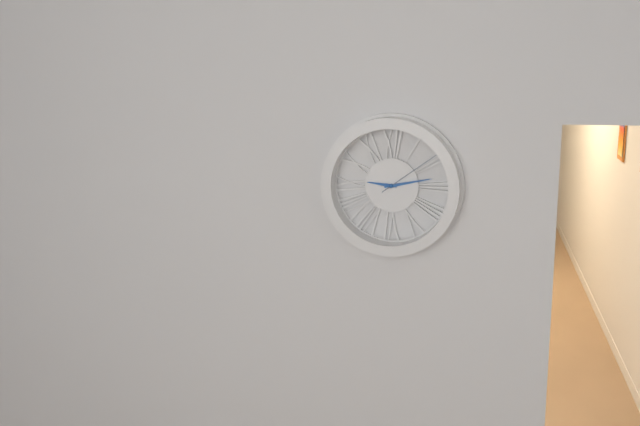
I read {"hour": 9, "minute": 13, "second": 9}
